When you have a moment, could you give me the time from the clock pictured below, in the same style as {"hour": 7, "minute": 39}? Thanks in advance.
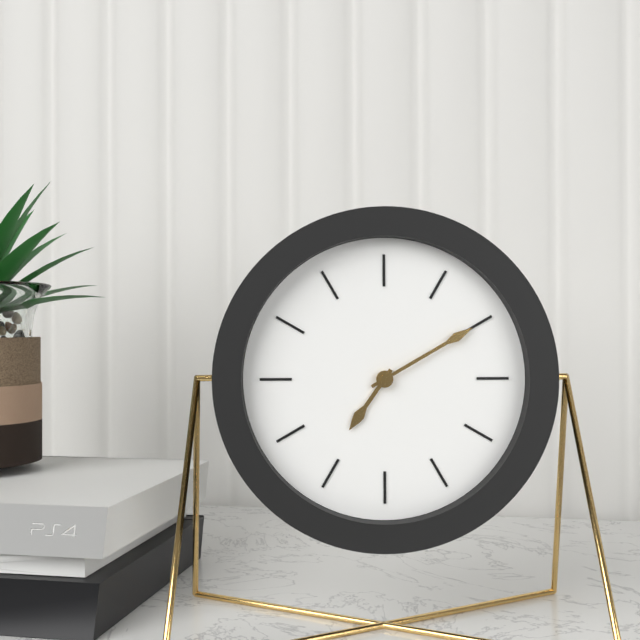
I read {"hour": 7, "minute": 10}
